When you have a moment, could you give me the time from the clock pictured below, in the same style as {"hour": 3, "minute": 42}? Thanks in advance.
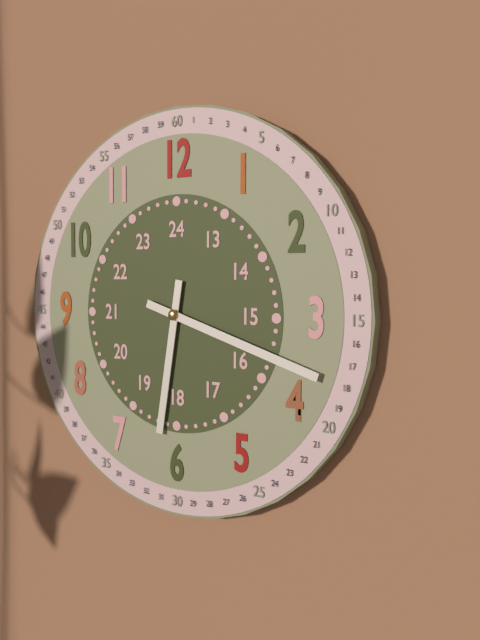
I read {"hour": 6, "minute": 18}
